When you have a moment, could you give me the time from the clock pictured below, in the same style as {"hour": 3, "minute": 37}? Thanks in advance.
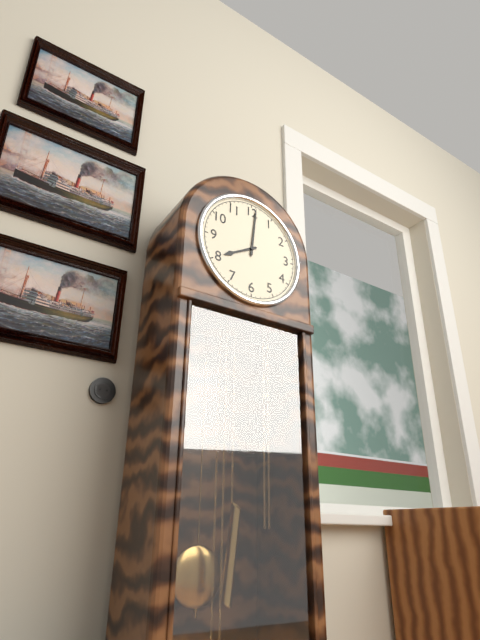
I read {"hour": 8, "minute": 1}
